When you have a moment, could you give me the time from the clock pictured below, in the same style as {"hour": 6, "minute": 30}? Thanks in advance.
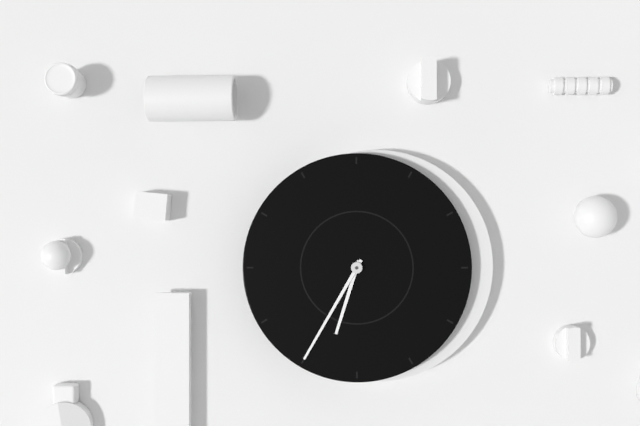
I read {"hour": 6, "minute": 35}
